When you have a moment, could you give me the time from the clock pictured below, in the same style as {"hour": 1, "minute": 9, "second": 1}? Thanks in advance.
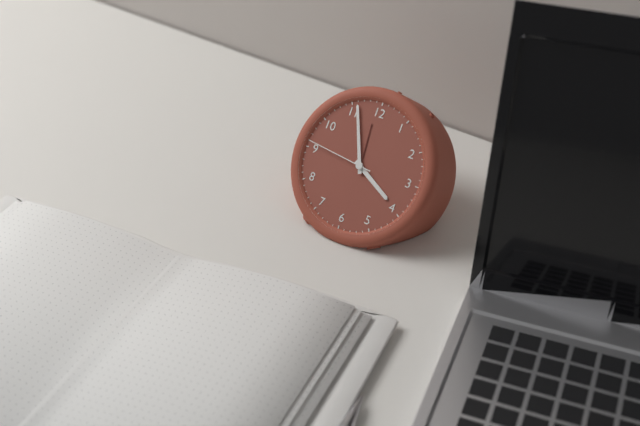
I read {"hour": 3, "minute": 56, "second": 46}
